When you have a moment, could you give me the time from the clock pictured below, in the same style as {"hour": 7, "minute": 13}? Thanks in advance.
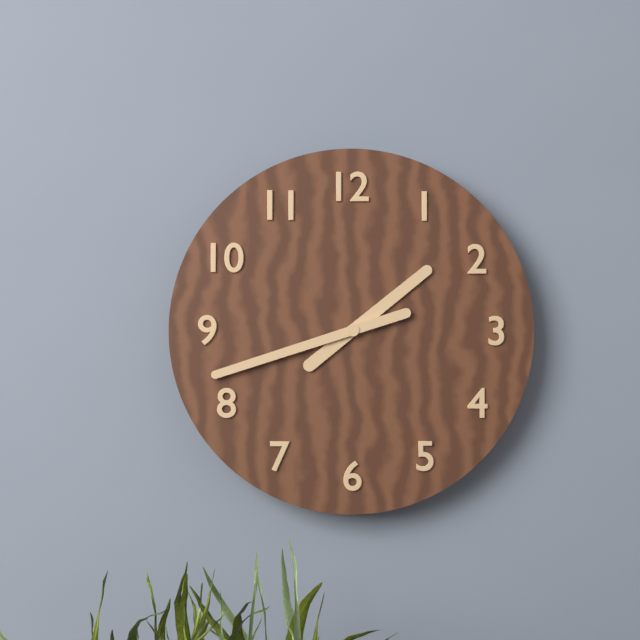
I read {"hour": 1, "minute": 42}
